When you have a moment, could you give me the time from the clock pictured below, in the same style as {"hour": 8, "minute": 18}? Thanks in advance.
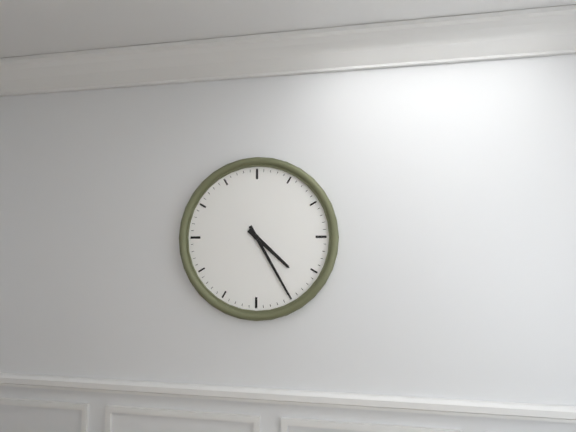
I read {"hour": 4, "minute": 25}
